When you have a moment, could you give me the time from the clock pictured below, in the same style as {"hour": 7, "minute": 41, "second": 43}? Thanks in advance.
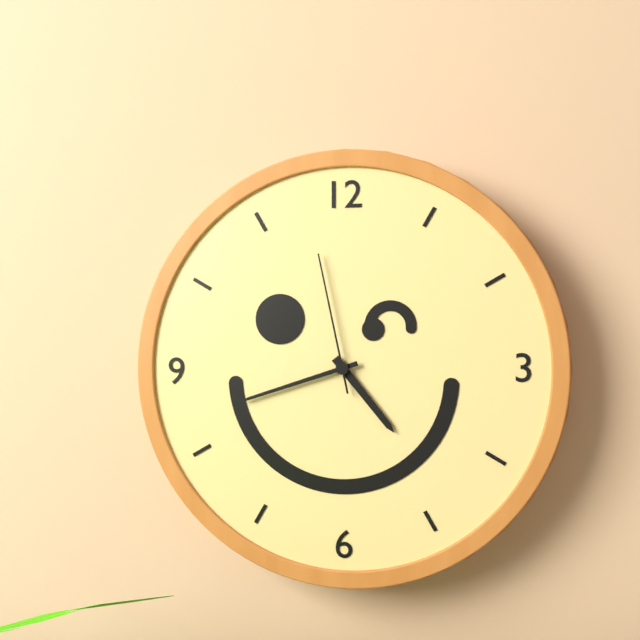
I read {"hour": 4, "minute": 42, "second": 58}
